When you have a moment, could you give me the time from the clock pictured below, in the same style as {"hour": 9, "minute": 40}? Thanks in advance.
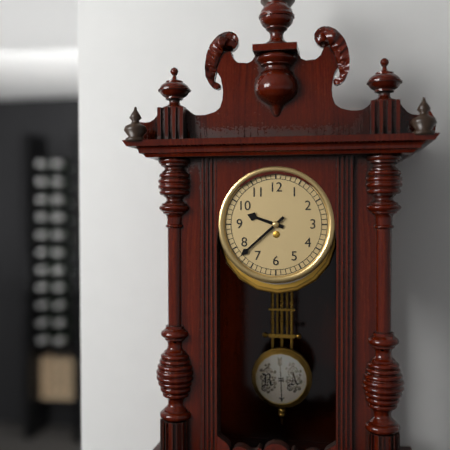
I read {"hour": 9, "minute": 38}
